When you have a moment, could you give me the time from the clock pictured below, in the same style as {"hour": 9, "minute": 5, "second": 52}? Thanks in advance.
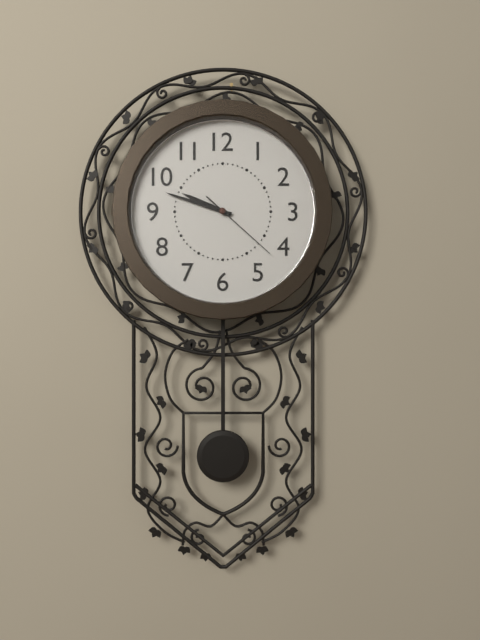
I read {"hour": 9, "minute": 48, "second": 22}
